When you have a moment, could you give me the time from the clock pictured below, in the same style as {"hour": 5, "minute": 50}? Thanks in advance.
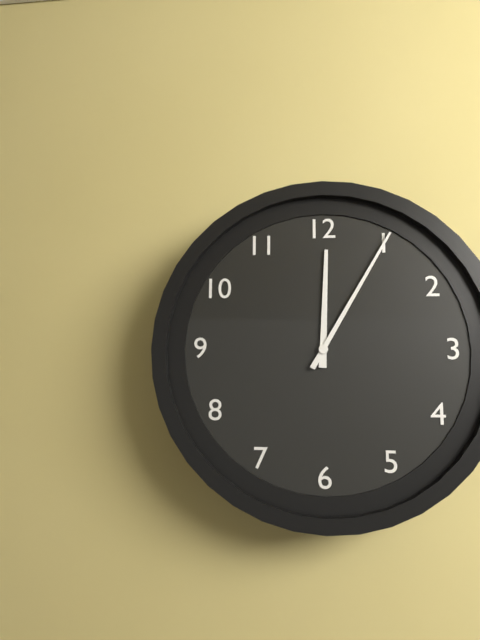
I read {"hour": 12, "minute": 5}
